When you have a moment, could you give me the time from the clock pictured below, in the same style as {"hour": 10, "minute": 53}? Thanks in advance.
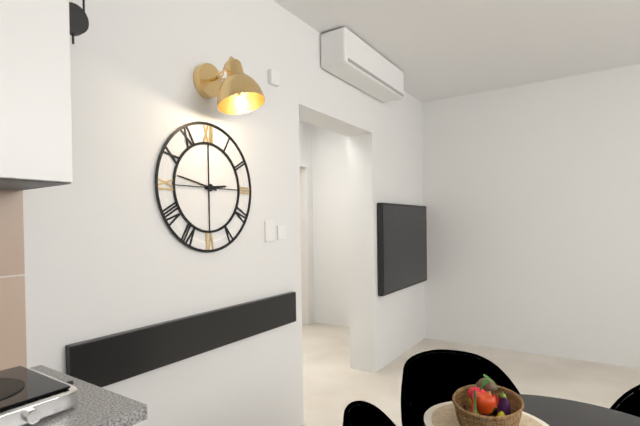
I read {"hour": 2, "minute": 47}
